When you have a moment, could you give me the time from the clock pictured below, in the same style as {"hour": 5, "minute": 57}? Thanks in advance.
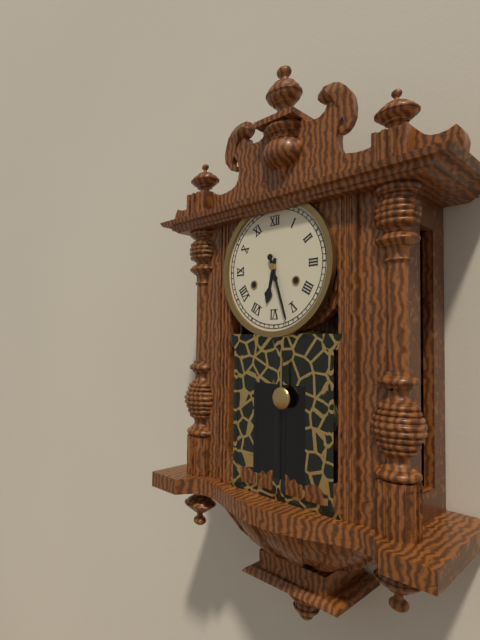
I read {"hour": 6, "minute": 27}
